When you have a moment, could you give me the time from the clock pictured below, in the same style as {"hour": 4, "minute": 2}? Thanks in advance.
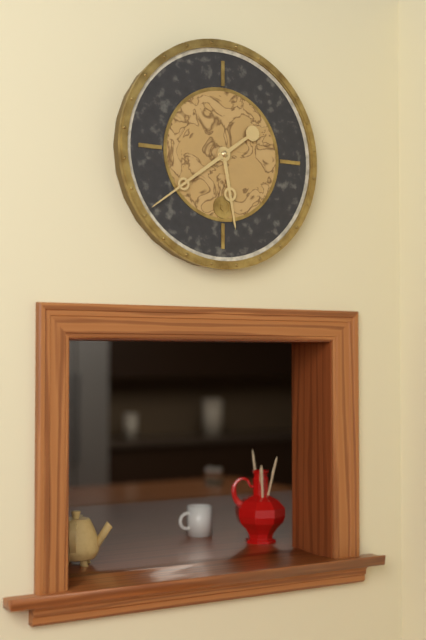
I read {"hour": 5, "minute": 39}
